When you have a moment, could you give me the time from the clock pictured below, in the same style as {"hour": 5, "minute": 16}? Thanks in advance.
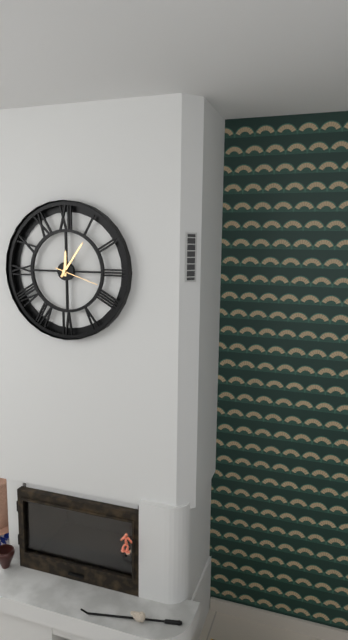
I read {"hour": 12, "minute": 6}
